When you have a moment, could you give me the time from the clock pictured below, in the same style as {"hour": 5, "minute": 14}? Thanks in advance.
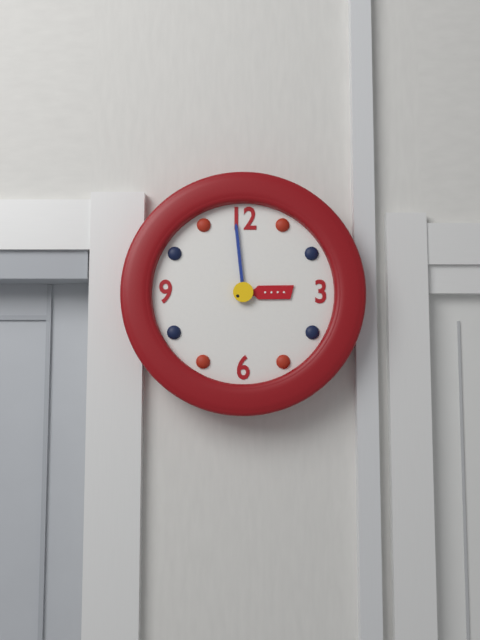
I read {"hour": 2, "minute": 59}
